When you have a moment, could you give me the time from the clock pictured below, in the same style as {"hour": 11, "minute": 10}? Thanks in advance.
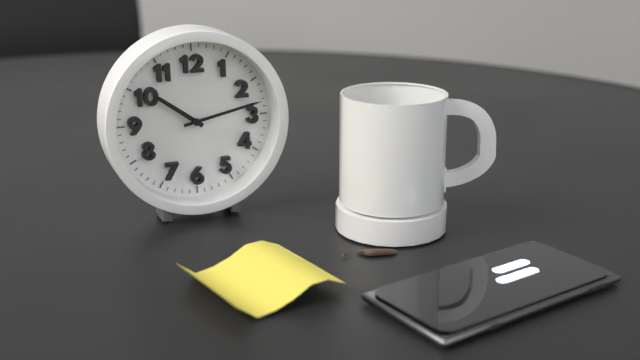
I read {"hour": 10, "minute": 13}
